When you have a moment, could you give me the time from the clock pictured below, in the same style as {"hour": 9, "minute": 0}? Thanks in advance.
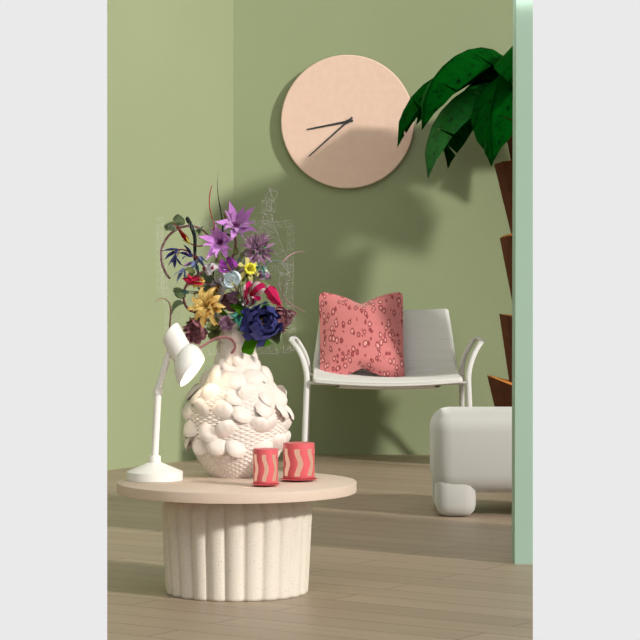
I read {"hour": 8, "minute": 38}
